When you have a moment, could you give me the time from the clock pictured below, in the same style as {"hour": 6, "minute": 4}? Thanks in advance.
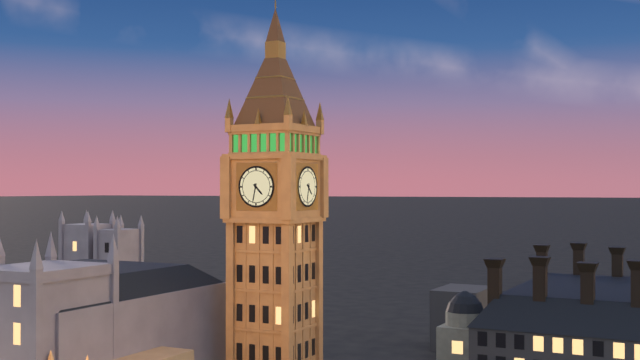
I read {"hour": 4, "minute": 32}
